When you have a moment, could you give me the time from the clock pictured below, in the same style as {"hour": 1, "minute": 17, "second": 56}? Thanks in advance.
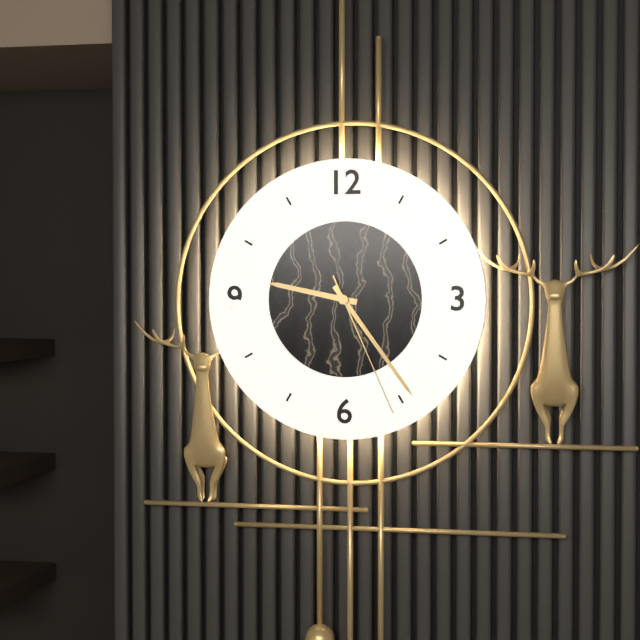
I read {"hour": 9, "minute": 24, "second": 26}
